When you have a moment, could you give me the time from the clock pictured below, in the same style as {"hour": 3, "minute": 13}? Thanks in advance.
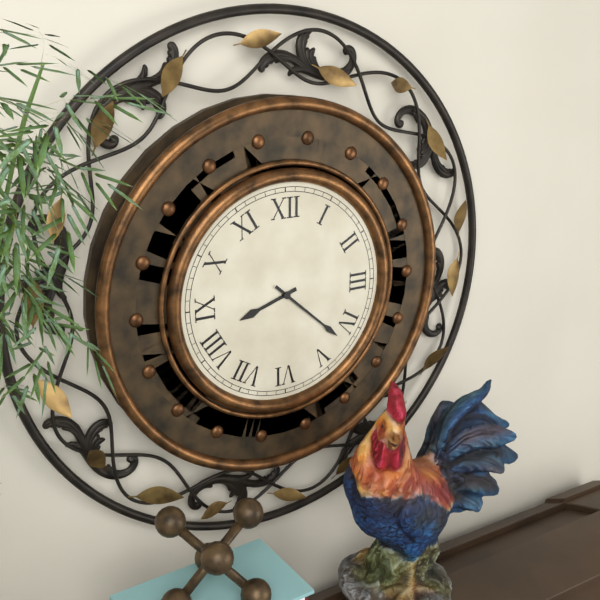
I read {"hour": 8, "minute": 22}
